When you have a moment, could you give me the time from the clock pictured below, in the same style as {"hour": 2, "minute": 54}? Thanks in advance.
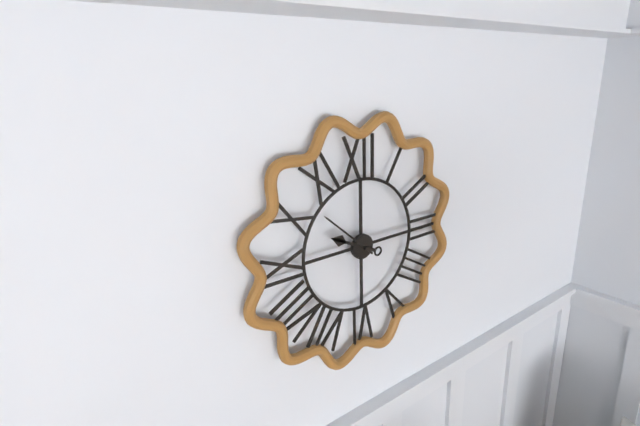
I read {"hour": 9, "minute": 52}
